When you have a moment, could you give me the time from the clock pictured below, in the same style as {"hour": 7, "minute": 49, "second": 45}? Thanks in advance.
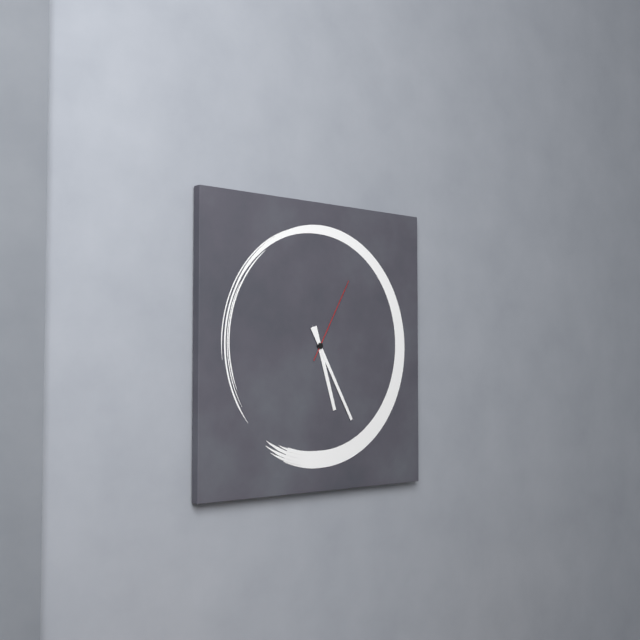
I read {"hour": 5, "minute": 25, "second": 5}
